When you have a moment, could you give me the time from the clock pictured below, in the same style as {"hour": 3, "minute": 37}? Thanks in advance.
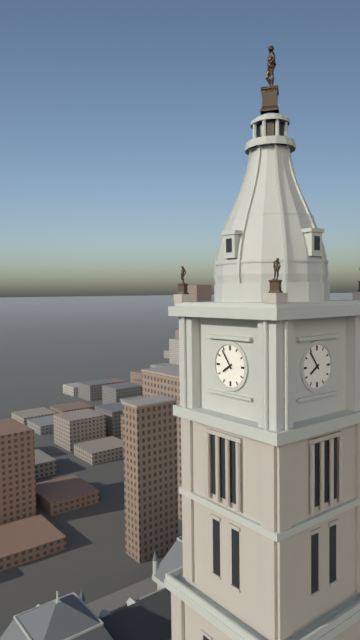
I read {"hour": 7, "minute": 54}
